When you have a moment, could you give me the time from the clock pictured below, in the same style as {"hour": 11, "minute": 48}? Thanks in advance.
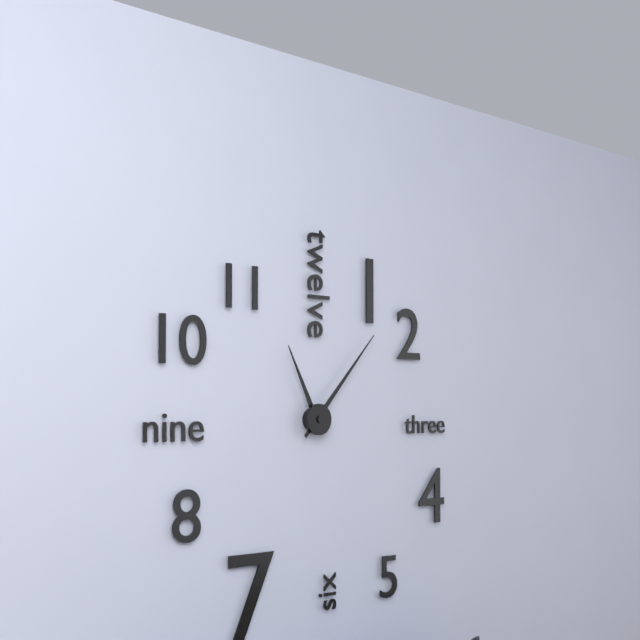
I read {"hour": 11, "minute": 7}
